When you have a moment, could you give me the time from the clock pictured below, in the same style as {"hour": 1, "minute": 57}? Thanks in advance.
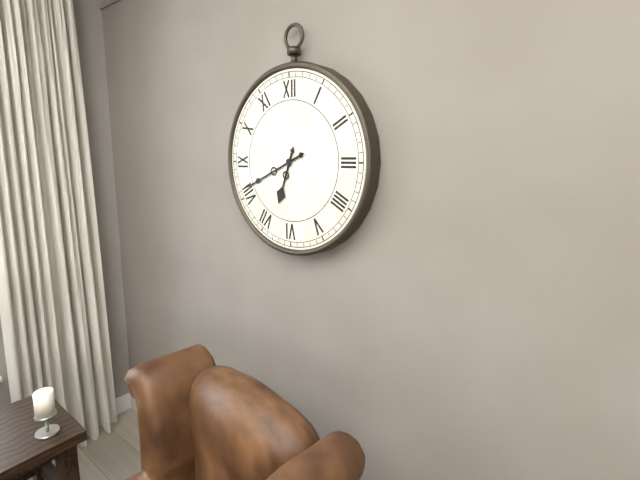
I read {"hour": 6, "minute": 41}
